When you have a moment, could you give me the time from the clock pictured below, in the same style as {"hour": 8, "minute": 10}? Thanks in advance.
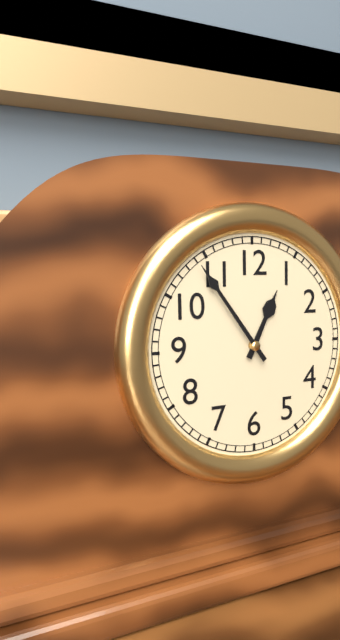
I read {"hour": 12, "minute": 54}
